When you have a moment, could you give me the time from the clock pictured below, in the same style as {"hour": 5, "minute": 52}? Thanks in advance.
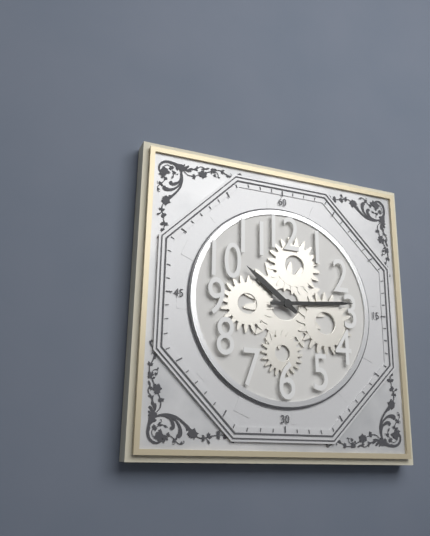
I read {"hour": 10, "minute": 14}
